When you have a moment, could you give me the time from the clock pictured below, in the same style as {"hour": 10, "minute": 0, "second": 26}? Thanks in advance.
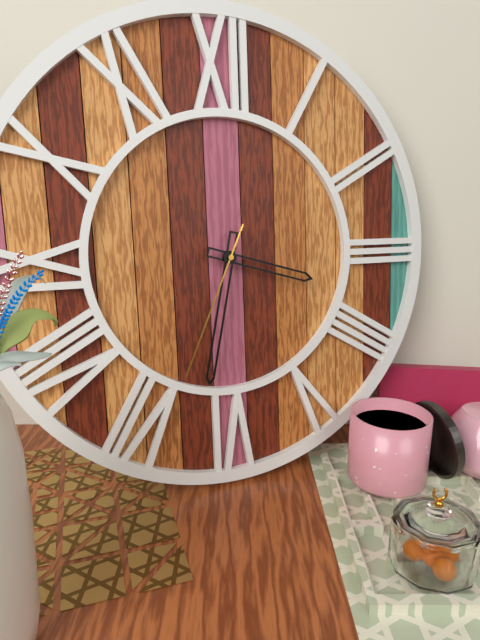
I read {"hour": 3, "minute": 32, "second": 34}
